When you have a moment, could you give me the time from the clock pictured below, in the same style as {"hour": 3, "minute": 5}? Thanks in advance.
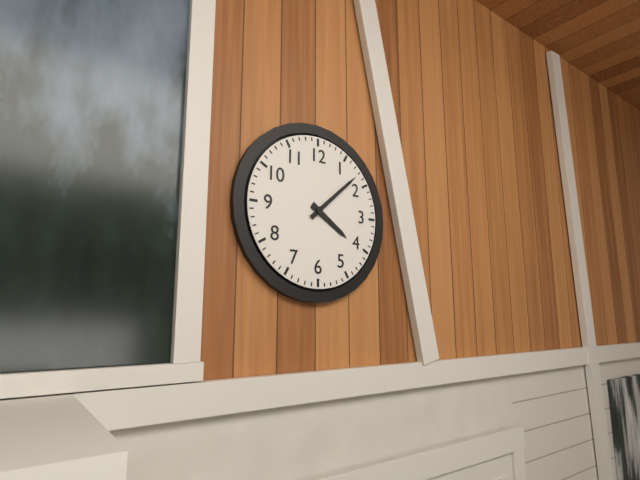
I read {"hour": 4, "minute": 8}
